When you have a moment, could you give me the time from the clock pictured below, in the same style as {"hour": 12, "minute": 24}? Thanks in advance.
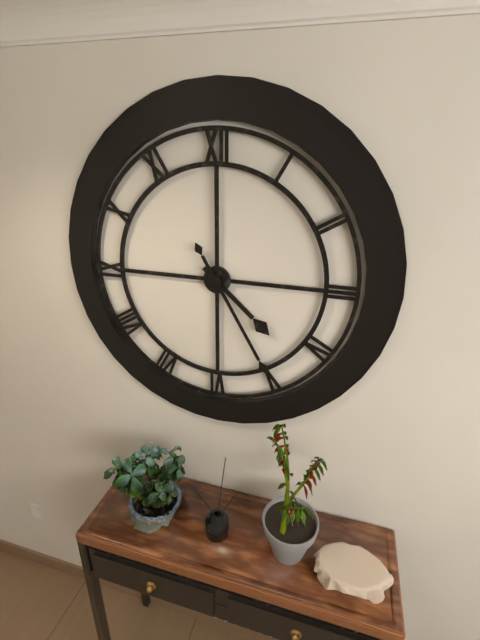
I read {"hour": 4, "minute": 25}
